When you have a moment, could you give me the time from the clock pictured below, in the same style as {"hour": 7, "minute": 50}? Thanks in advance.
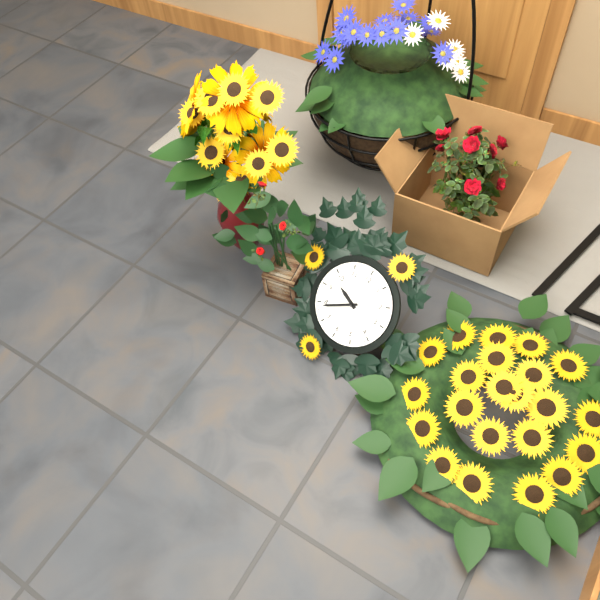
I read {"hour": 9, "minute": 39}
